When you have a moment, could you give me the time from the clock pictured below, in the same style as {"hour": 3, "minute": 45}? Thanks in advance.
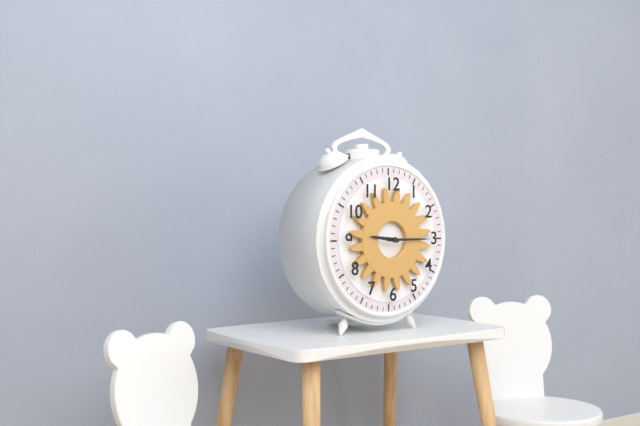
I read {"hour": 9, "minute": 15}
